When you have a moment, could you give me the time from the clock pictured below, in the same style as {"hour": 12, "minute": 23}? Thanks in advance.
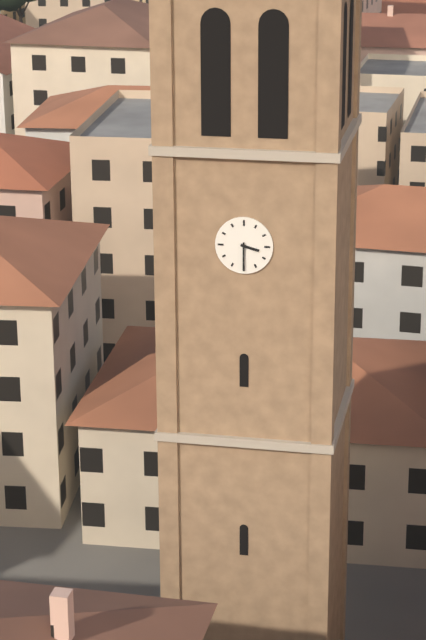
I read {"hour": 3, "minute": 30}
